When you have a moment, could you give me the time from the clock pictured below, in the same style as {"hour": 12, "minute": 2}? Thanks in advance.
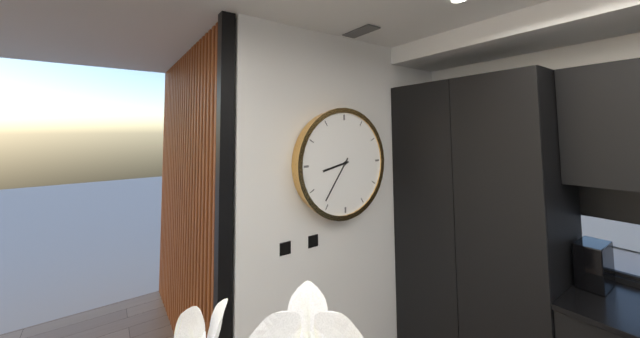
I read {"hour": 8, "minute": 36}
